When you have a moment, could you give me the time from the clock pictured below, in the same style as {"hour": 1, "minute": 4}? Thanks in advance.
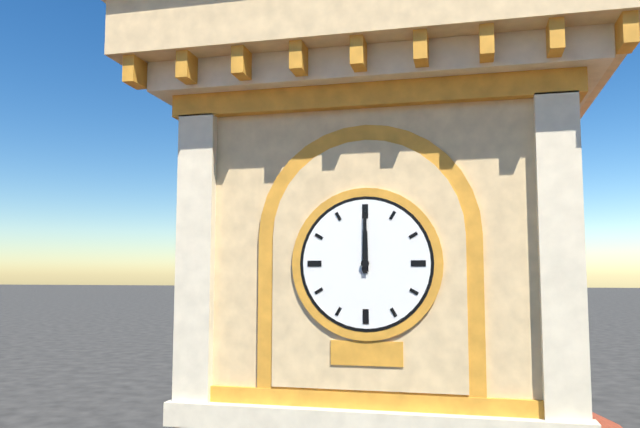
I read {"hour": 12, "minute": 0}
